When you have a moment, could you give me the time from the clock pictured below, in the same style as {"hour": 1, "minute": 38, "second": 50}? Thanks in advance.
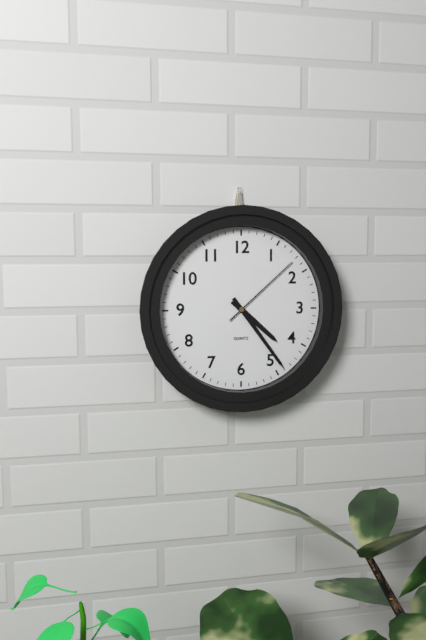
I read {"hour": 4, "minute": 24, "second": 8}
